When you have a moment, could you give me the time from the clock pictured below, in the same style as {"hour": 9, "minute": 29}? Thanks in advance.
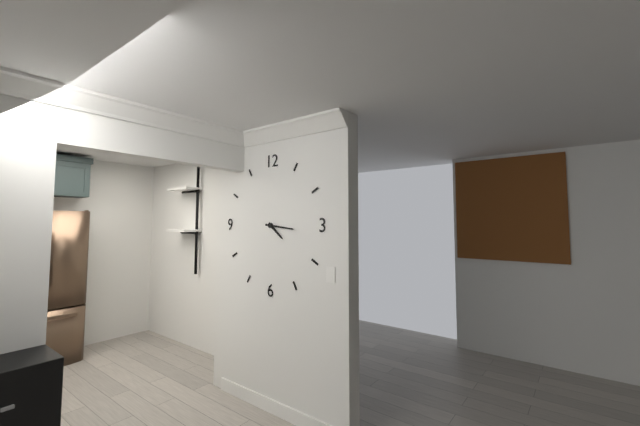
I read {"hour": 4, "minute": 16}
